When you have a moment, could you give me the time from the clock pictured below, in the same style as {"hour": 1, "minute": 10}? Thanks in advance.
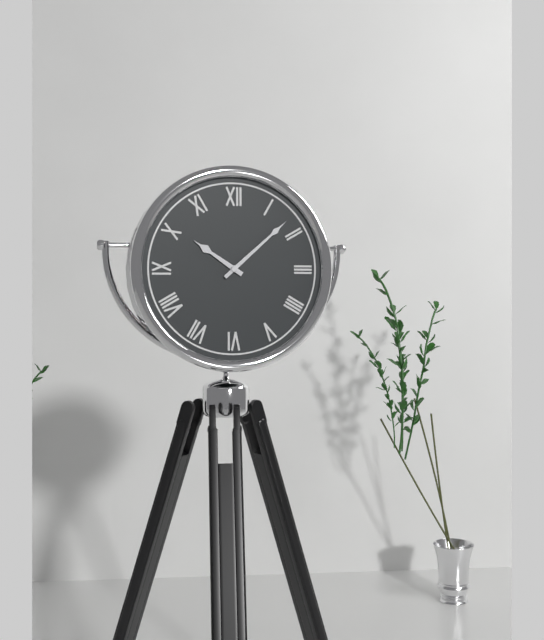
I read {"hour": 10, "minute": 8}
